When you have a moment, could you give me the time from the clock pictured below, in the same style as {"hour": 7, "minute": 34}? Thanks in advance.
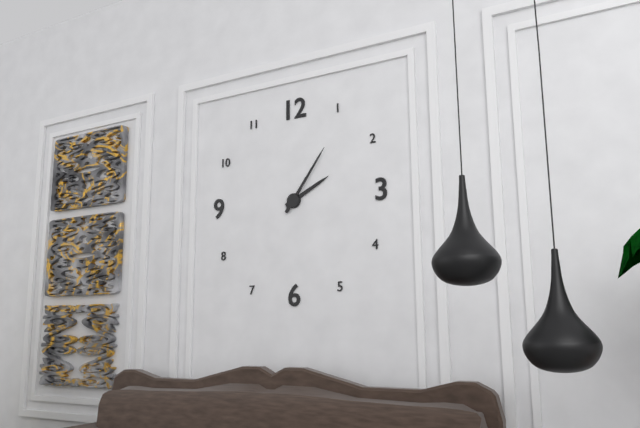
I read {"hour": 2, "minute": 6}
